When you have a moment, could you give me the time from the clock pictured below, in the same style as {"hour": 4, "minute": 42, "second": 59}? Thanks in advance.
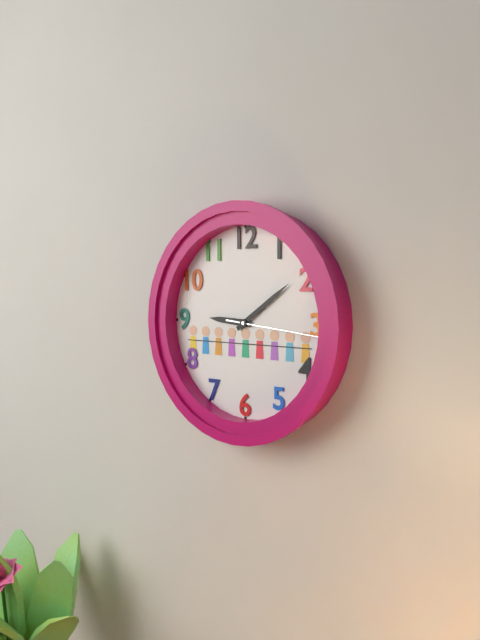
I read {"hour": 9, "minute": 9, "second": 16}
